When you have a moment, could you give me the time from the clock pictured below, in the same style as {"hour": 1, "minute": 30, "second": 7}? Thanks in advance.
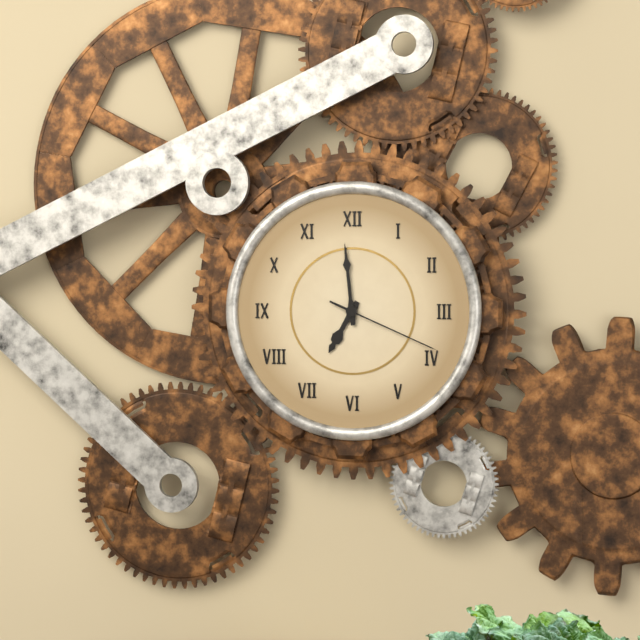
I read {"hour": 6, "minute": 59, "second": 19}
